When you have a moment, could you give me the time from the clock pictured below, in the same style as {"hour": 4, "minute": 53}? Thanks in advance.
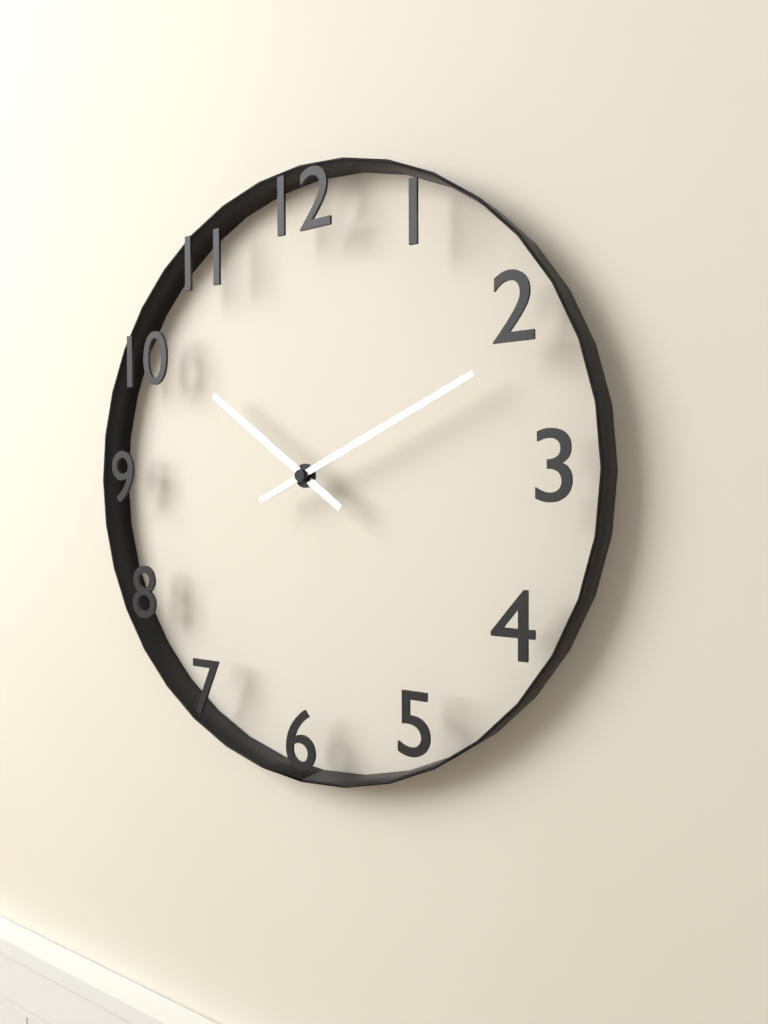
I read {"hour": 10, "minute": 11}
